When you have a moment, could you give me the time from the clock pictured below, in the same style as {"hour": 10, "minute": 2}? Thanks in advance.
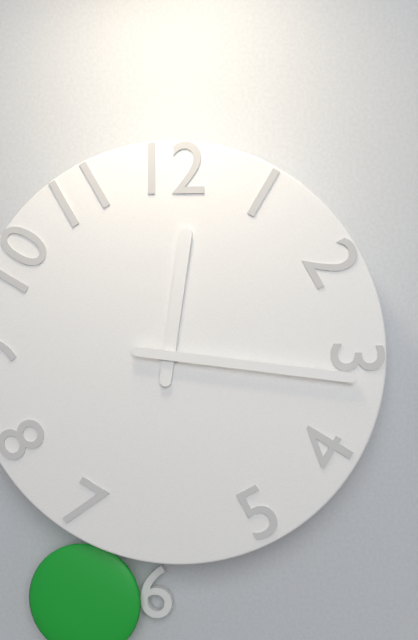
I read {"hour": 12, "minute": 16}
